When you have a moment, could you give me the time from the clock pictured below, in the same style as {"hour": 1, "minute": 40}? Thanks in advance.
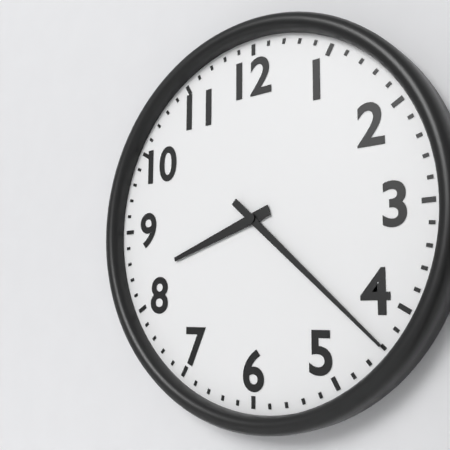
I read {"hour": 8, "minute": 22}
